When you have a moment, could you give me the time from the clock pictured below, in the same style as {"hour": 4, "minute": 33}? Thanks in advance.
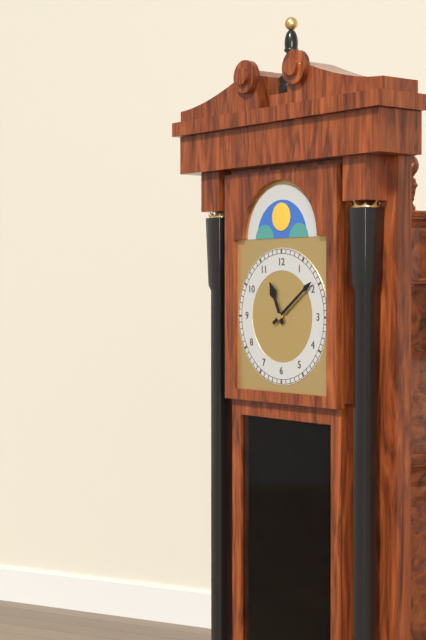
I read {"hour": 11, "minute": 9}
